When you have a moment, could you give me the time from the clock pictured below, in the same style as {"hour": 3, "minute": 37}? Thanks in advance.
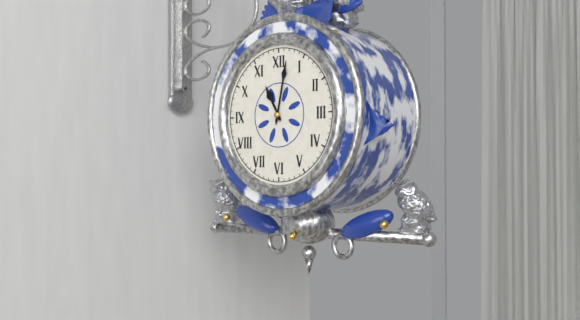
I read {"hour": 11, "minute": 2}
